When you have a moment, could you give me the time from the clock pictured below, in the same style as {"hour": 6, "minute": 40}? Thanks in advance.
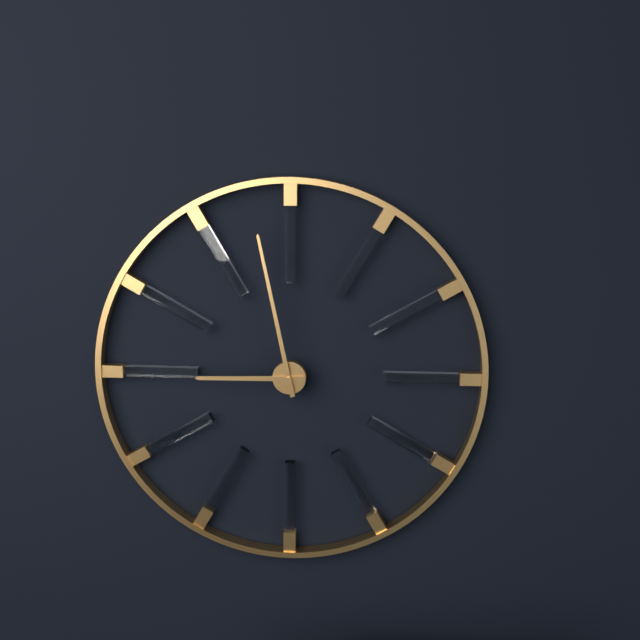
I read {"hour": 8, "minute": 58}
